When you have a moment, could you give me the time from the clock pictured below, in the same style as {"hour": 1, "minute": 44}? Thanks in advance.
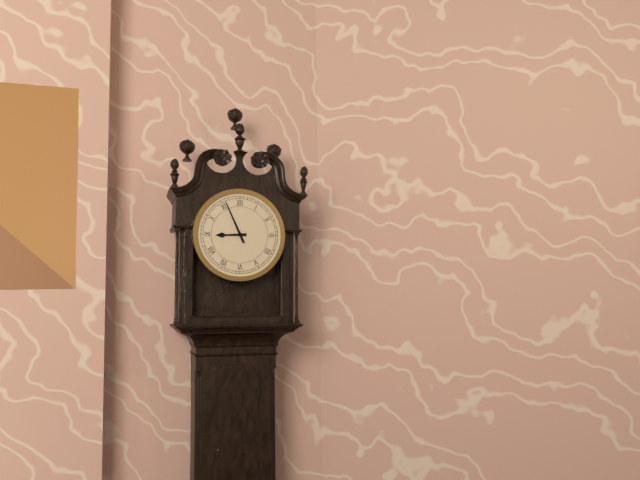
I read {"hour": 8, "minute": 56}
